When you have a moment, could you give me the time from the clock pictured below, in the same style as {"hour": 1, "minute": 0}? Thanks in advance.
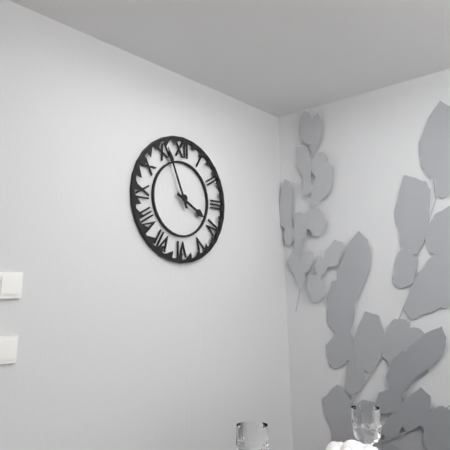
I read {"hour": 3, "minute": 56}
